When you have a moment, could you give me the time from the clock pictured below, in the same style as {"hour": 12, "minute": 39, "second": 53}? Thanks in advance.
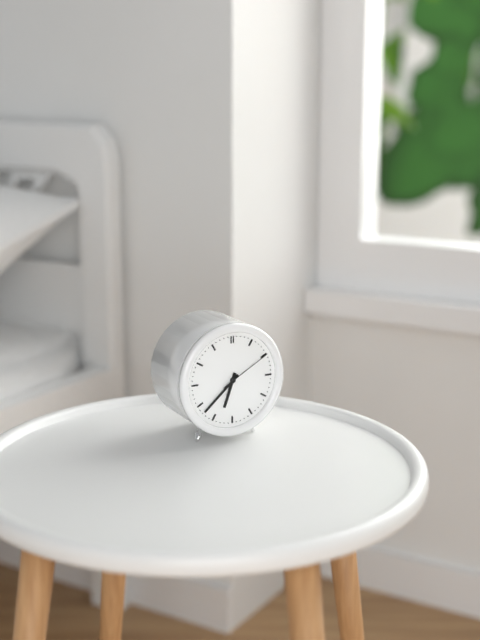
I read {"hour": 6, "minute": 38, "second": 10}
